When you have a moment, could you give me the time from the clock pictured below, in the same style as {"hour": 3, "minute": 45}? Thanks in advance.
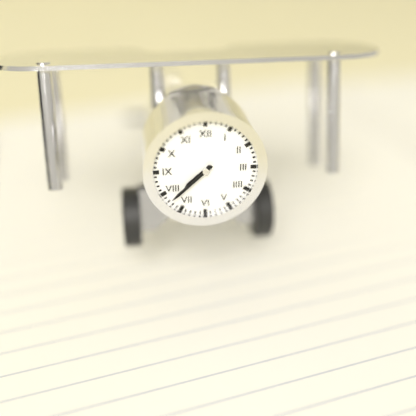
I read {"hour": 7, "minute": 38}
